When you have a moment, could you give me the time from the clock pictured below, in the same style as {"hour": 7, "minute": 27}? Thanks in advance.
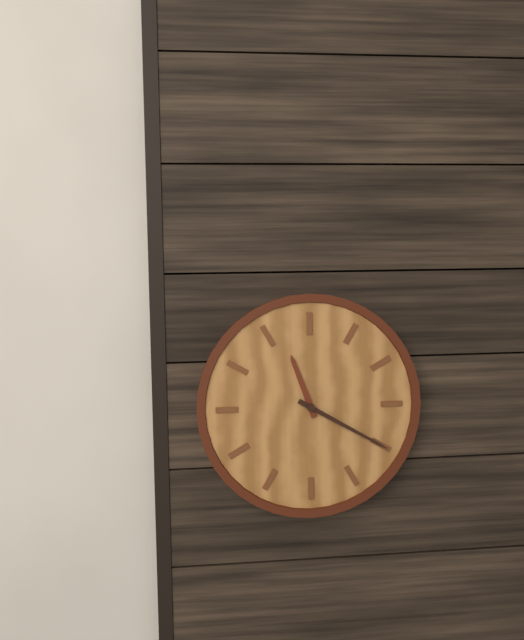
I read {"hour": 11, "minute": 20}
